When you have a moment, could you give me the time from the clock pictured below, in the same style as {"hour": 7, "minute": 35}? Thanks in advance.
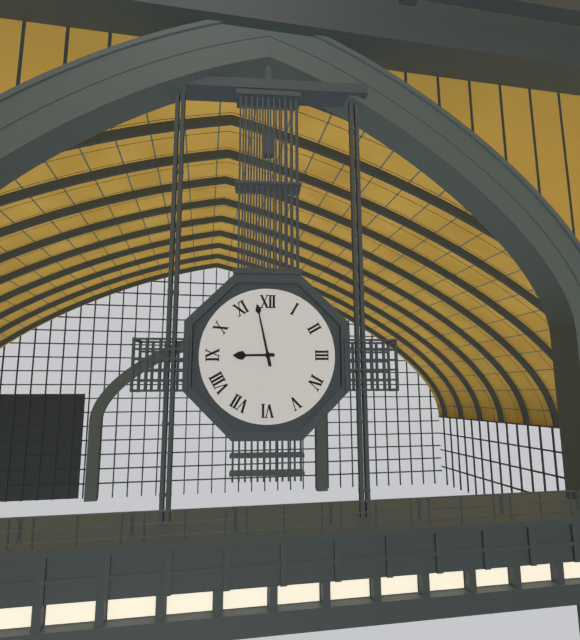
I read {"hour": 8, "minute": 58}
